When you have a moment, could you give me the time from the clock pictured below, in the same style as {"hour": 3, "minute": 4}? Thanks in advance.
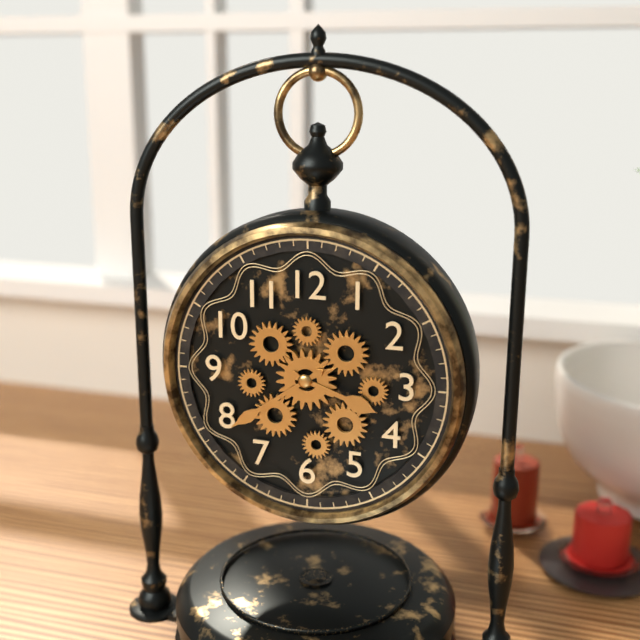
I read {"hour": 3, "minute": 39}
